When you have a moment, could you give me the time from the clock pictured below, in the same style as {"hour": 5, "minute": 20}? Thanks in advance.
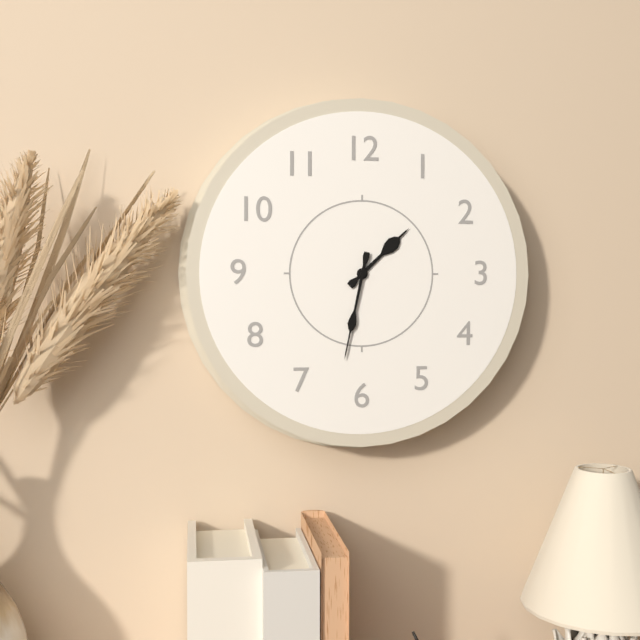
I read {"hour": 1, "minute": 32}
